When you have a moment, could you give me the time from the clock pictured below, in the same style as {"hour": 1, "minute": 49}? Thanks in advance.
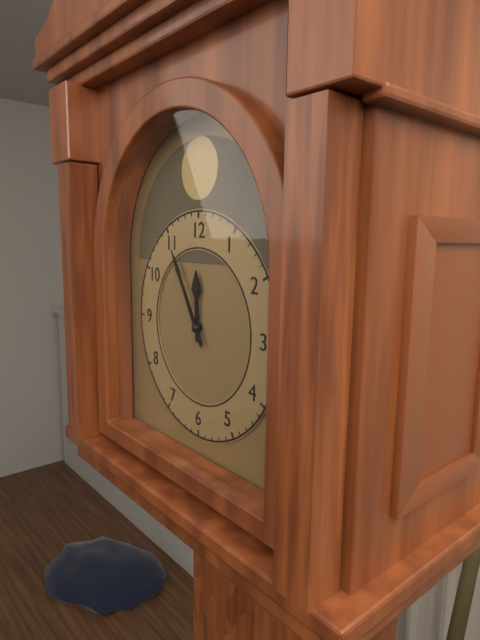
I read {"hour": 11, "minute": 55}
